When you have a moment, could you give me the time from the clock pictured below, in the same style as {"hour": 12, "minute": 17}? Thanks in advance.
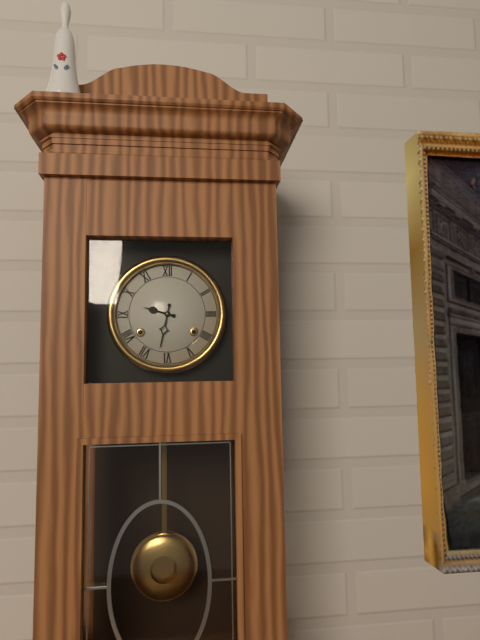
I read {"hour": 9, "minute": 32}
